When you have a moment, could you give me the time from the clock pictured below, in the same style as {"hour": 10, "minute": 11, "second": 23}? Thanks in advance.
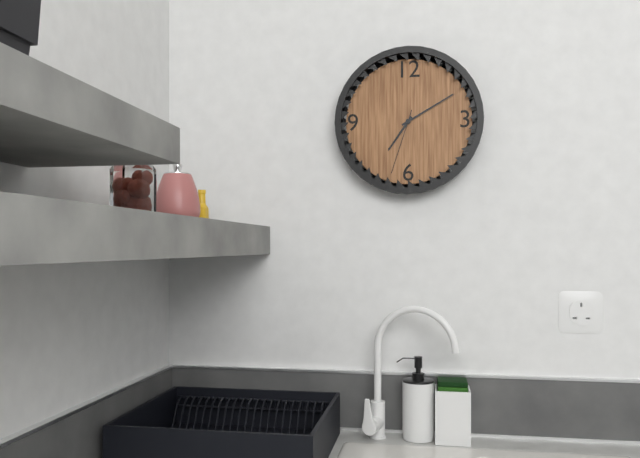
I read {"hour": 7, "minute": 10, "second": 33}
